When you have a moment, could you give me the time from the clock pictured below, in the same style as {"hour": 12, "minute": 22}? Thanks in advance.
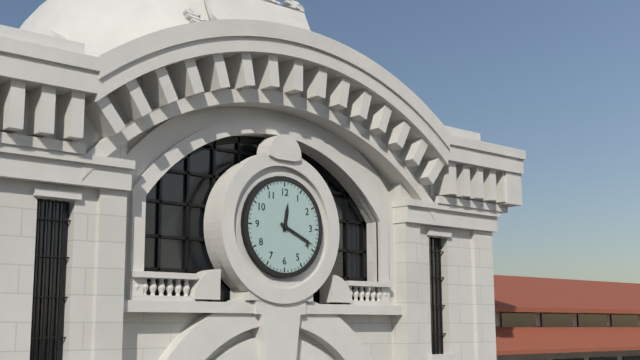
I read {"hour": 12, "minute": 19}
